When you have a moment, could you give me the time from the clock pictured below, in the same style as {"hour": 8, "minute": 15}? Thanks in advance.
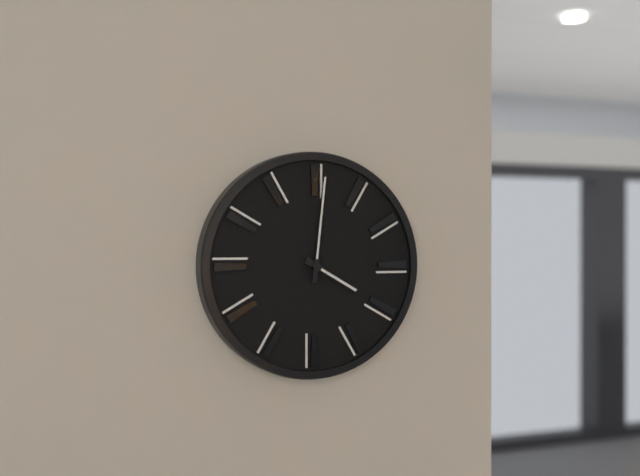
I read {"hour": 4, "minute": 1}
